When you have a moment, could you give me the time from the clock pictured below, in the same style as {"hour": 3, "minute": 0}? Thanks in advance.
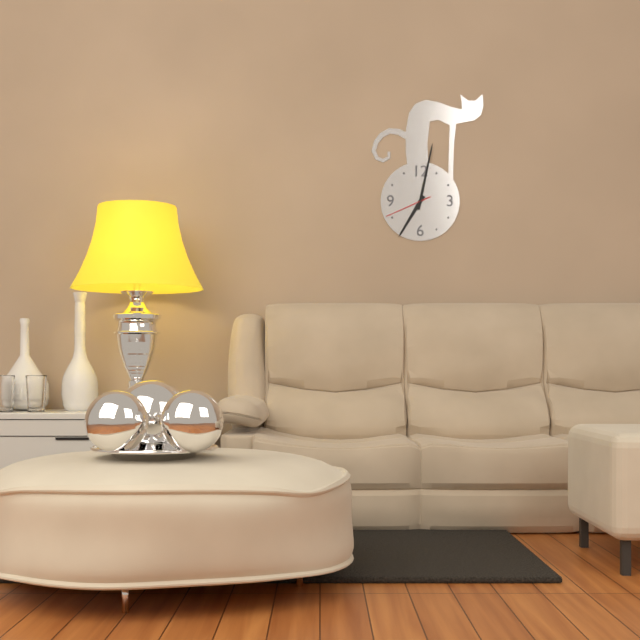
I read {"hour": 7, "minute": 2}
